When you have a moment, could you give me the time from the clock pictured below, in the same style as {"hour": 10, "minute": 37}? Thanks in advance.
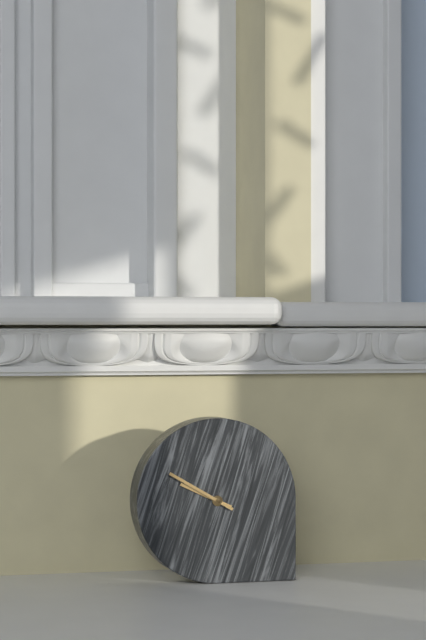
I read {"hour": 9, "minute": 50}
